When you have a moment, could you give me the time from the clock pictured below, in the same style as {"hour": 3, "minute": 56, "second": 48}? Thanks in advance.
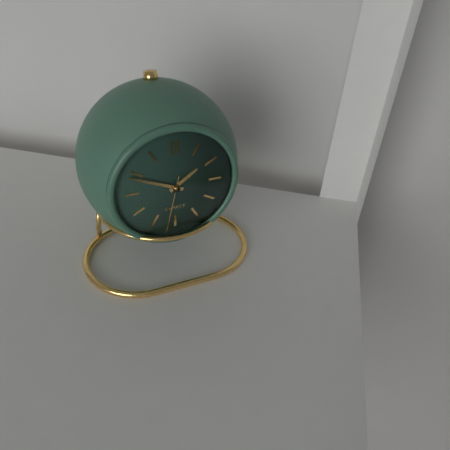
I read {"hour": 1, "minute": 49, "second": 32}
